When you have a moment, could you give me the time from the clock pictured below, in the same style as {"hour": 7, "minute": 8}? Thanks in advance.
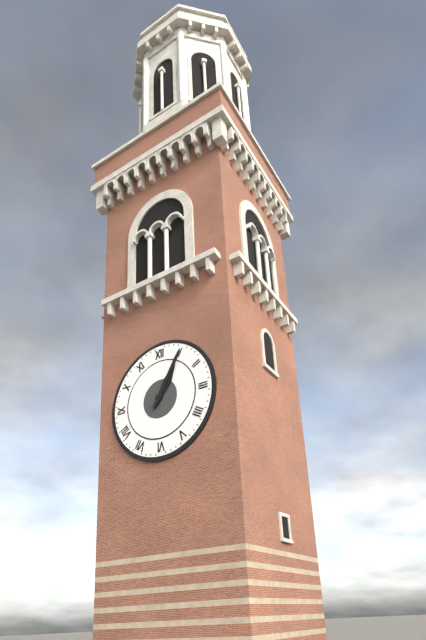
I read {"hour": 1, "minute": 5}
